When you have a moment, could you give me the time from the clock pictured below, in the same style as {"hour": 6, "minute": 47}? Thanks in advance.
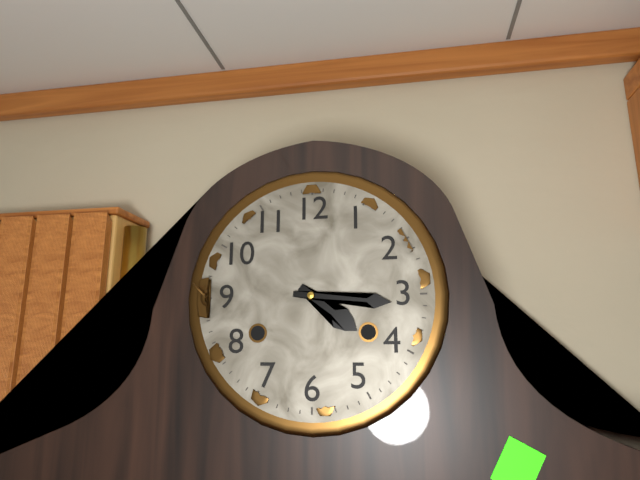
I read {"hour": 4, "minute": 16}
